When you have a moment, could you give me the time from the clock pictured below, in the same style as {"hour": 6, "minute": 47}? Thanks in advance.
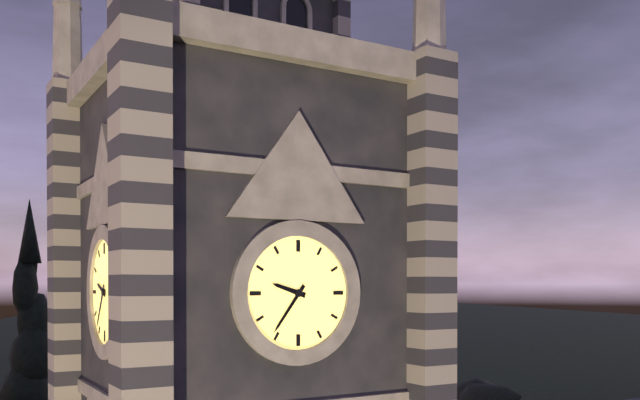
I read {"hour": 9, "minute": 36}
